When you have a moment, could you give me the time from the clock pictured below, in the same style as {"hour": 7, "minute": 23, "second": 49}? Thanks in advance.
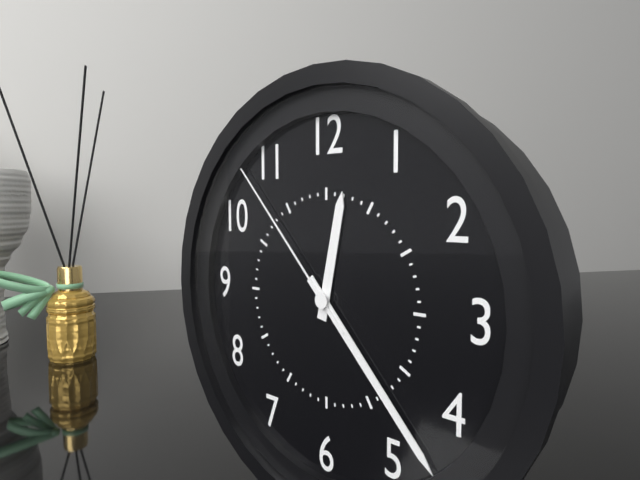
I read {"hour": 12, "minute": 23, "second": 53}
